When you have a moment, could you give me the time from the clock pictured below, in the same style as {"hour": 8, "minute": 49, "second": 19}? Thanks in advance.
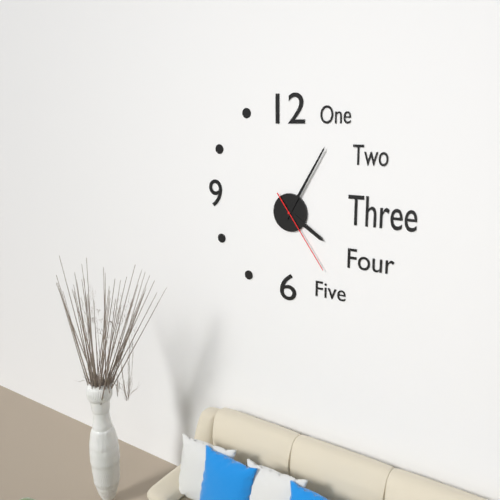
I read {"hour": 4, "minute": 5, "second": 24}
